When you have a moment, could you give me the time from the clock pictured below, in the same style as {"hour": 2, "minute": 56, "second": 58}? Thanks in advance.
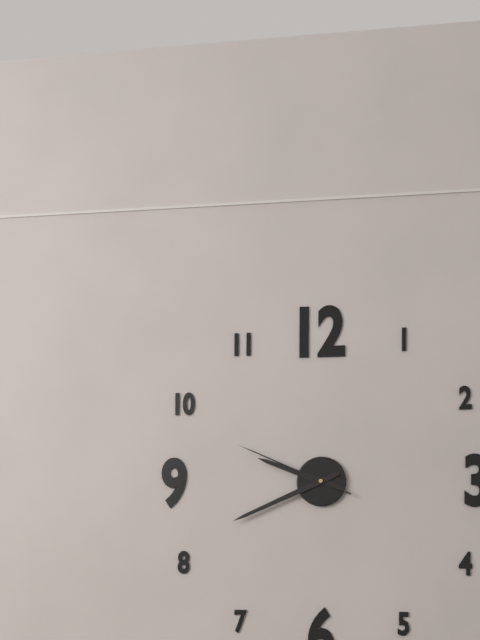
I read {"hour": 9, "minute": 41, "second": 49}
